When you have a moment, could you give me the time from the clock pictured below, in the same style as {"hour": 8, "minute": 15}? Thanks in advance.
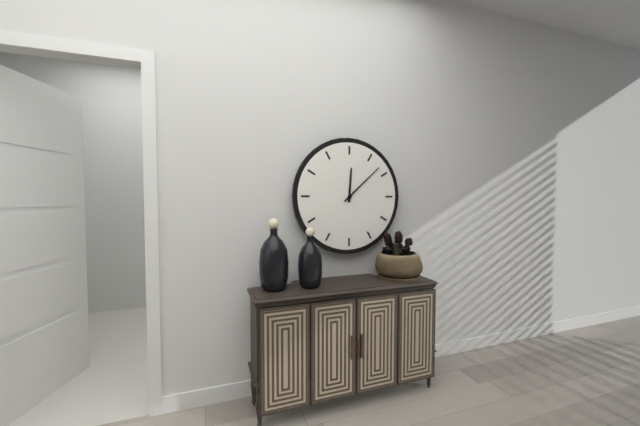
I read {"hour": 12, "minute": 8}
